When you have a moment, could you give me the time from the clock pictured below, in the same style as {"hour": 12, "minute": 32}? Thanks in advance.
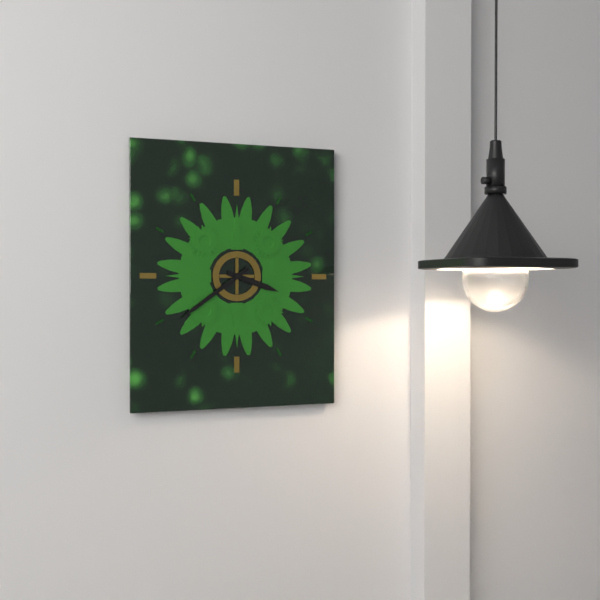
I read {"hour": 3, "minute": 39}
